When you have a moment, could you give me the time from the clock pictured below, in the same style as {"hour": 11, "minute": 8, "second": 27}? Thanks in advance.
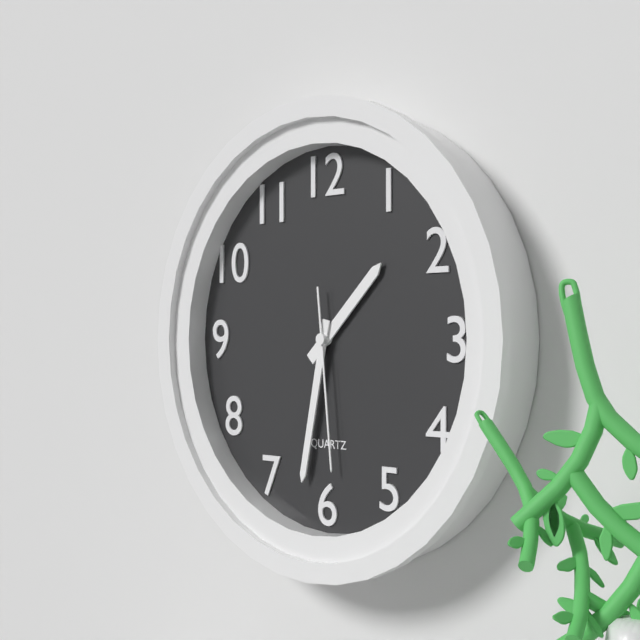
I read {"hour": 1, "minute": 32, "second": 29}
